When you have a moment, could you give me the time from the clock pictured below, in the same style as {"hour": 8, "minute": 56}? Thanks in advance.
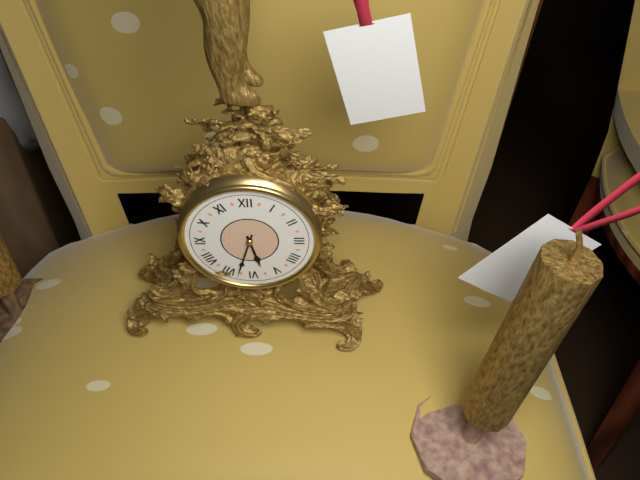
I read {"hour": 5, "minute": 33}
